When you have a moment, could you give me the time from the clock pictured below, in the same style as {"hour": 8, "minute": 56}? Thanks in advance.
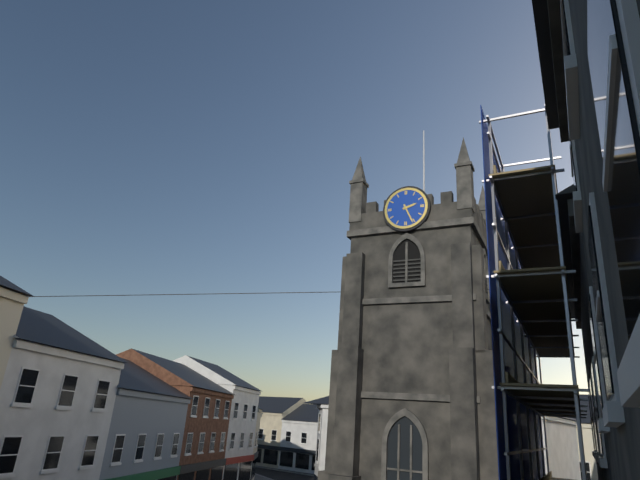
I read {"hour": 2, "minute": 26}
